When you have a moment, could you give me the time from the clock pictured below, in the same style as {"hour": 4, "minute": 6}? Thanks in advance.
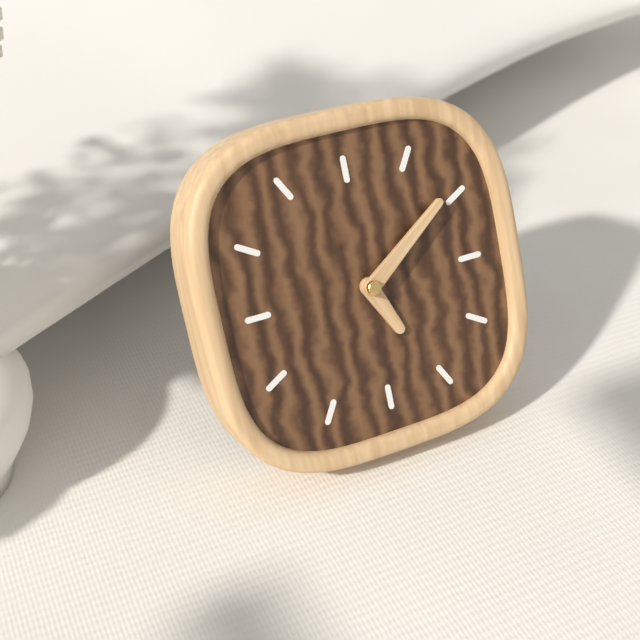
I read {"hour": 5, "minute": 9}
